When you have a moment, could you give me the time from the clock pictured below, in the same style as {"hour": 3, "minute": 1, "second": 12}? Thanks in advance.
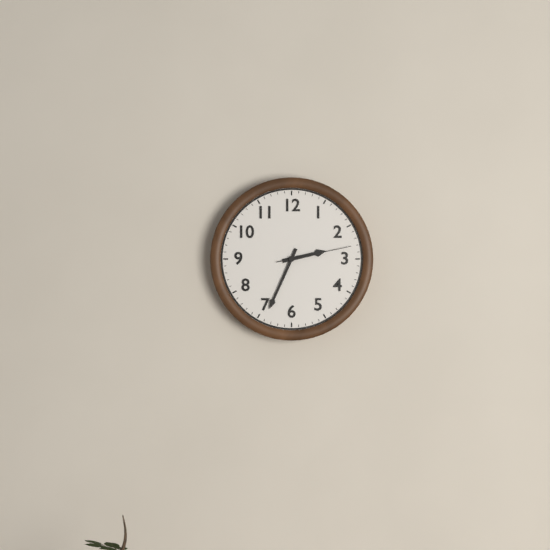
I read {"hour": 2, "minute": 34, "second": 13}
